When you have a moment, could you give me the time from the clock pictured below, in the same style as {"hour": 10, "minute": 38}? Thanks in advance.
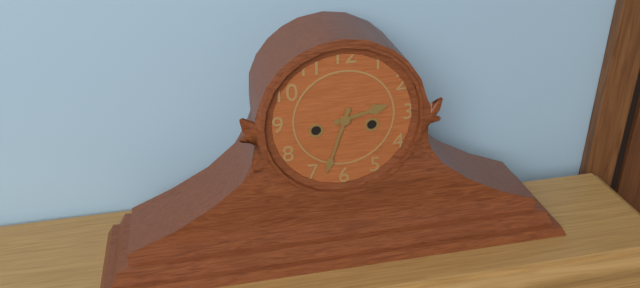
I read {"hour": 2, "minute": 33}
